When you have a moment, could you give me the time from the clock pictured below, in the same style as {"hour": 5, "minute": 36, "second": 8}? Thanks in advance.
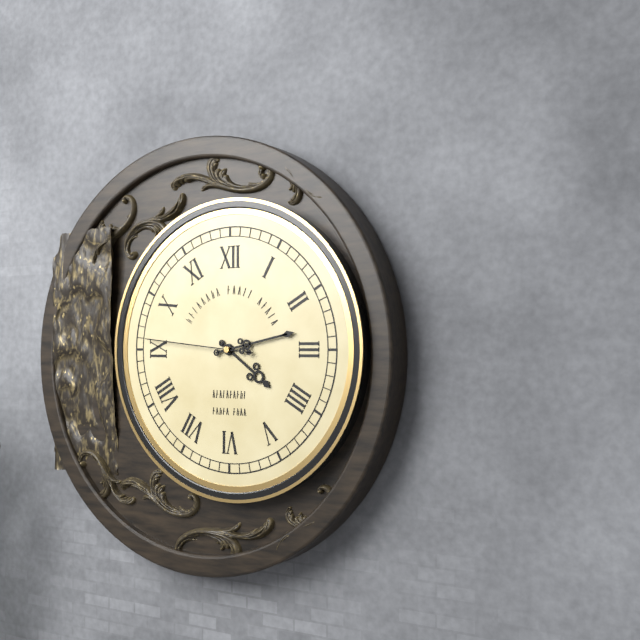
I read {"hour": 4, "minute": 13, "second": 46}
